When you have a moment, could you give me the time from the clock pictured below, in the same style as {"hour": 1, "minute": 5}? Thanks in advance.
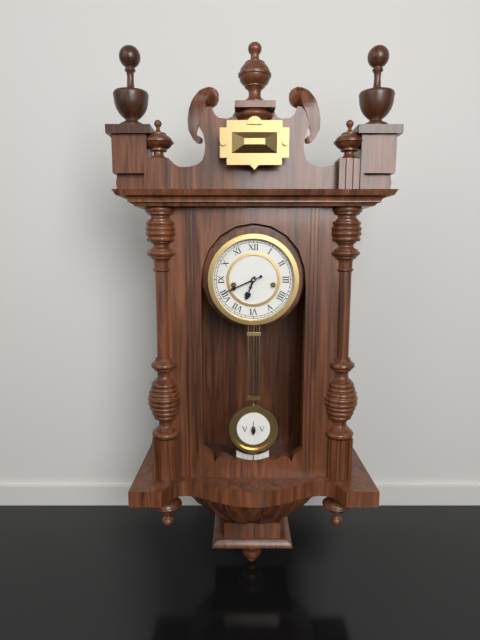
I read {"hour": 6, "minute": 41}
